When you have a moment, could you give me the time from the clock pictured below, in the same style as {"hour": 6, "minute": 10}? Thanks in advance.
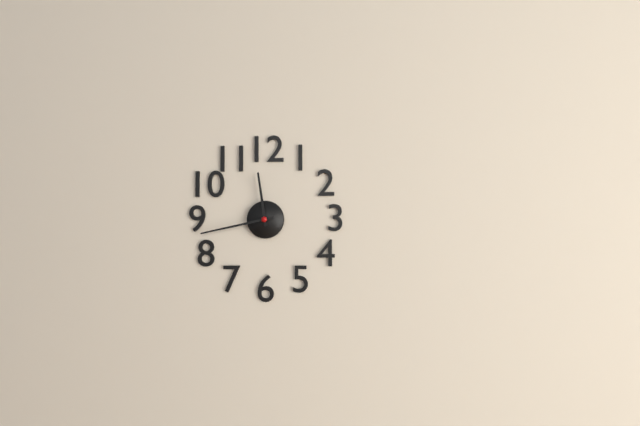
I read {"hour": 11, "minute": 43}
